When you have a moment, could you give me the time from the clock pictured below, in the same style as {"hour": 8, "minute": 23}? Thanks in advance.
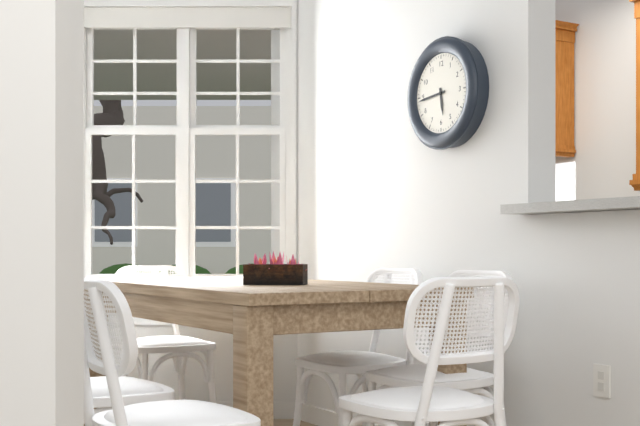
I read {"hour": 5, "minute": 44}
